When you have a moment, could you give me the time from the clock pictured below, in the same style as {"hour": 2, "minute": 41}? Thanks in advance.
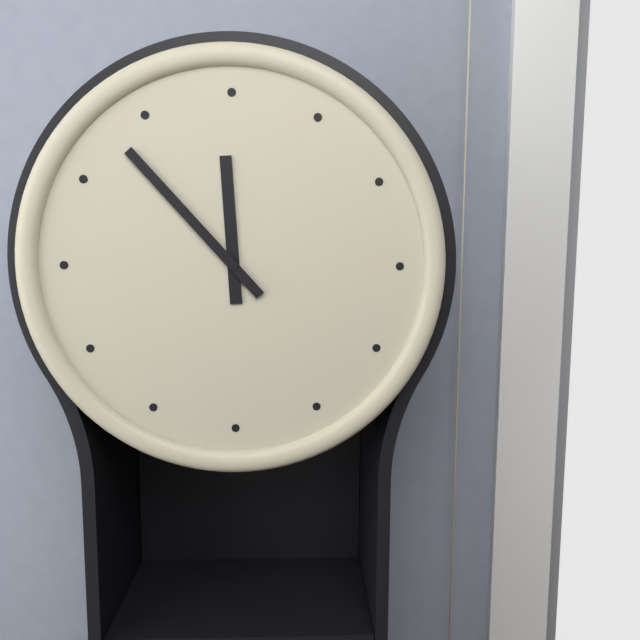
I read {"hour": 11, "minute": 53}
